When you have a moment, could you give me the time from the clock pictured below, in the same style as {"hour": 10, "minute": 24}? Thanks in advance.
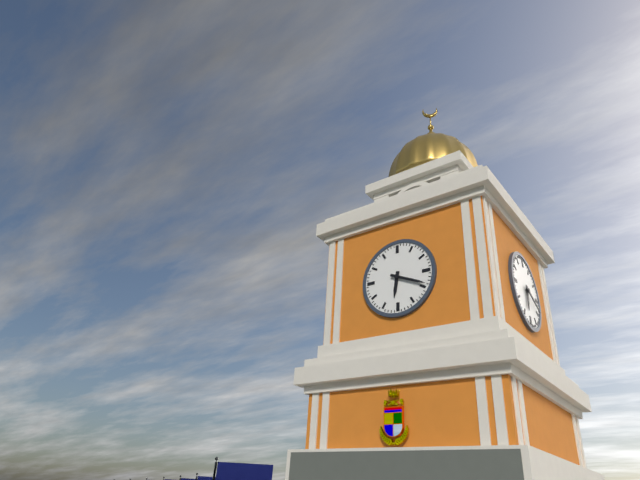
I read {"hour": 6, "minute": 19}
